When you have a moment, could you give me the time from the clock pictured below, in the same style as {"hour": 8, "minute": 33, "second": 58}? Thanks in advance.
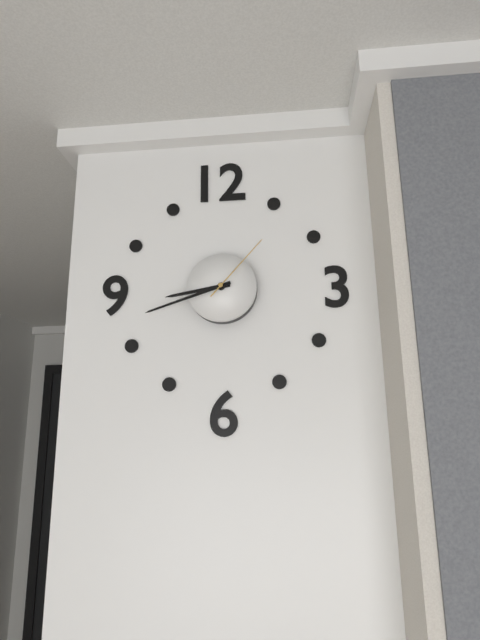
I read {"hour": 8, "minute": 42, "second": 7}
